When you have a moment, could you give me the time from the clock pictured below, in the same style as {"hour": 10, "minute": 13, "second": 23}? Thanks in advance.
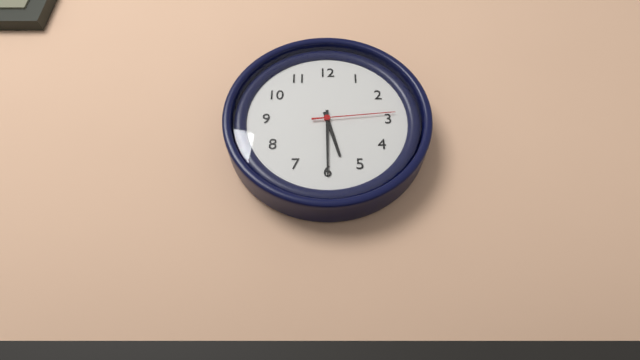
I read {"hour": 5, "minute": 30, "second": 14}
